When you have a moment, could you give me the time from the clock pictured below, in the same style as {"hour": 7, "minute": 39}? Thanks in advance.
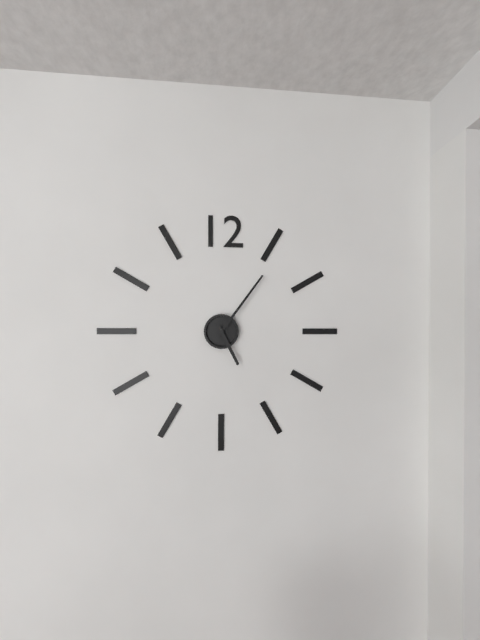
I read {"hour": 5, "minute": 6}
